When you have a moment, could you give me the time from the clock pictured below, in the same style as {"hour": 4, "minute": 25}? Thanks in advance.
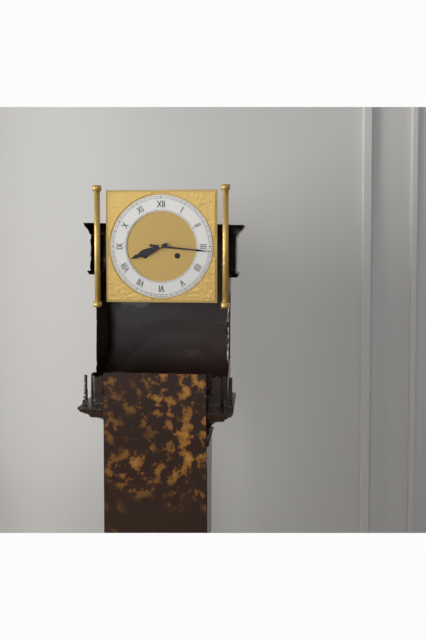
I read {"hour": 8, "minute": 16}
